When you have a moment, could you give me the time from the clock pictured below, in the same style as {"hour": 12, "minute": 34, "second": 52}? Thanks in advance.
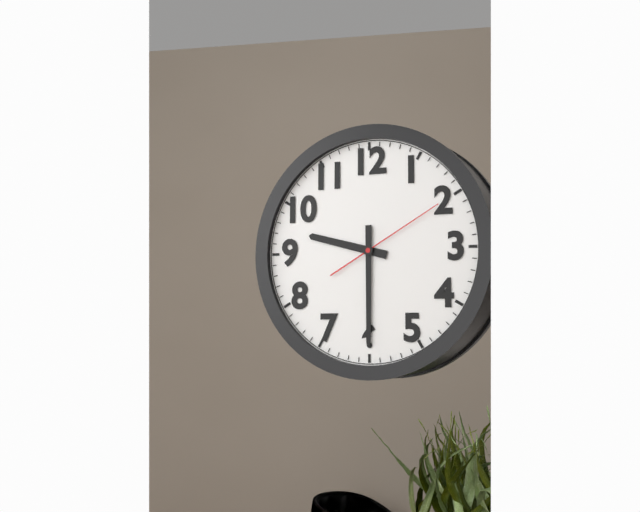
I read {"hour": 9, "minute": 30, "second": 10}
